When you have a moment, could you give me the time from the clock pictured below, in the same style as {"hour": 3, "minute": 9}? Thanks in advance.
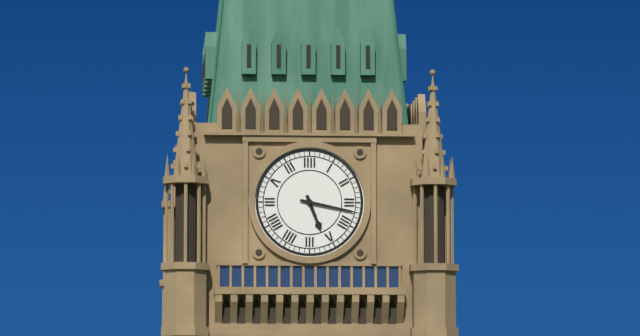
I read {"hour": 5, "minute": 17}
